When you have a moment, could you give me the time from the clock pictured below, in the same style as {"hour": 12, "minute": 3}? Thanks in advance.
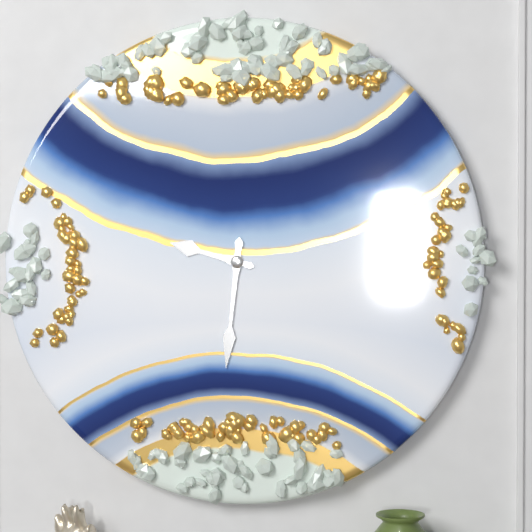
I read {"hour": 9, "minute": 31}
